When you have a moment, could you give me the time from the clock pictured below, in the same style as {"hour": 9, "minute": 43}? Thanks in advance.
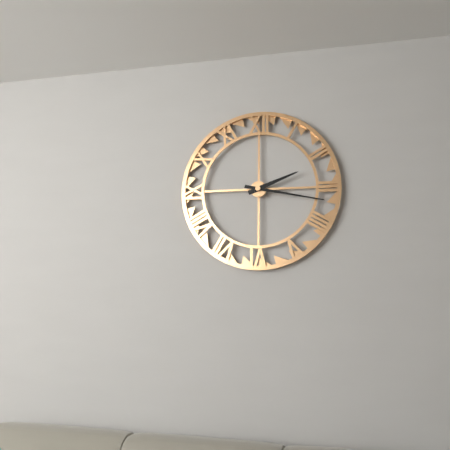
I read {"hour": 2, "minute": 17}
